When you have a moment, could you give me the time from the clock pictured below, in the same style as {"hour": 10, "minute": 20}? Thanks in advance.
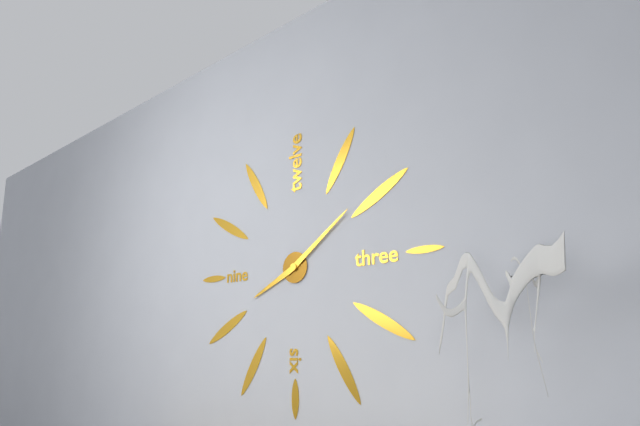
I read {"hour": 8, "minute": 9}
